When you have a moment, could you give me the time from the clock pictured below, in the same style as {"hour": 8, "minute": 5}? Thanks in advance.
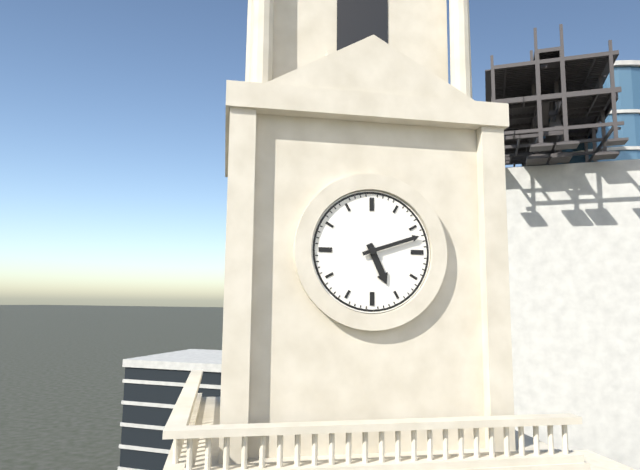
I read {"hour": 5, "minute": 12}
